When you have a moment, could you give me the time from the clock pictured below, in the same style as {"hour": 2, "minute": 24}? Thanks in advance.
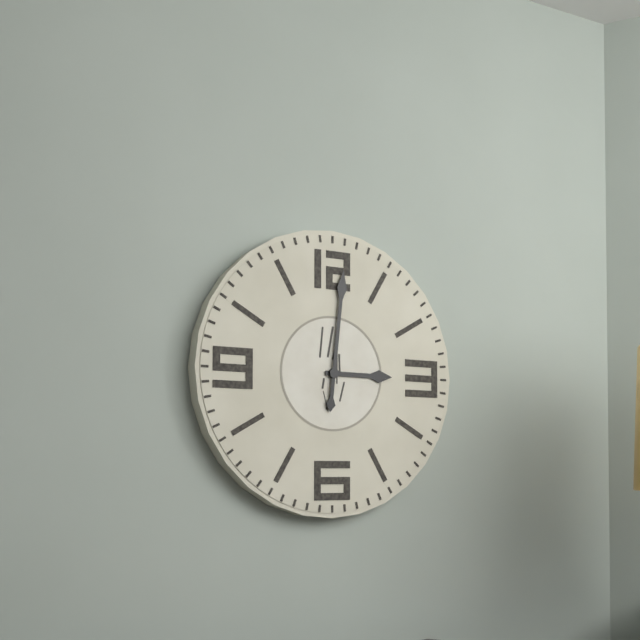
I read {"hour": 3, "minute": 1}
